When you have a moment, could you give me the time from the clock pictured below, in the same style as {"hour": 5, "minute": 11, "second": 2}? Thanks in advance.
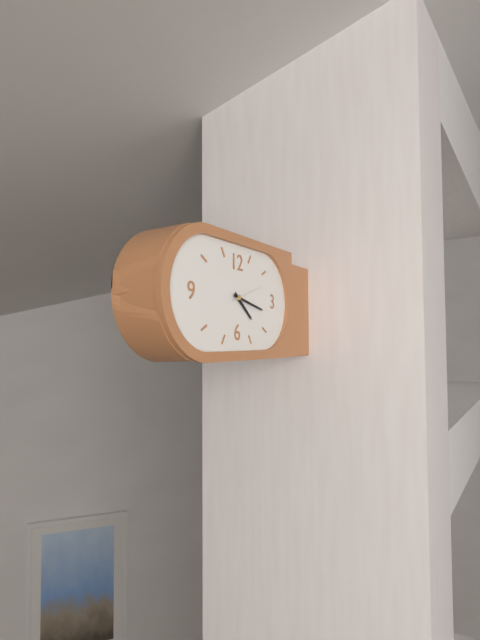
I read {"hour": 4, "minute": 17, "second": 12}
